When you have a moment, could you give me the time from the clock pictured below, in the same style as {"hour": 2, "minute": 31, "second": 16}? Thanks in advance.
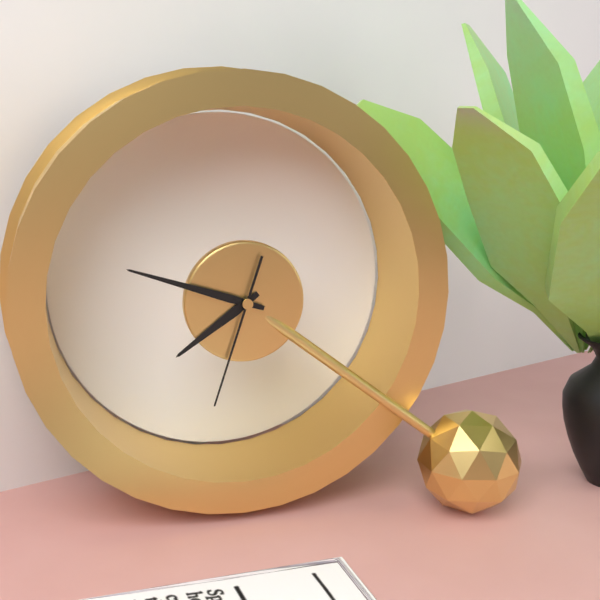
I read {"hour": 7, "minute": 48, "second": 33}
